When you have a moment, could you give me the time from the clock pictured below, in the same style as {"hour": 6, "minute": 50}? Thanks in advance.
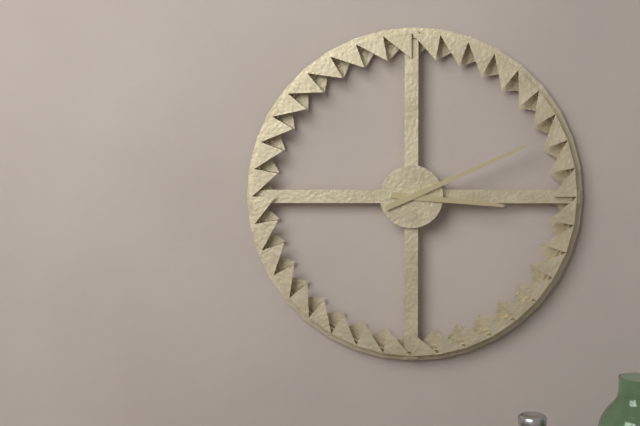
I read {"hour": 3, "minute": 11}
